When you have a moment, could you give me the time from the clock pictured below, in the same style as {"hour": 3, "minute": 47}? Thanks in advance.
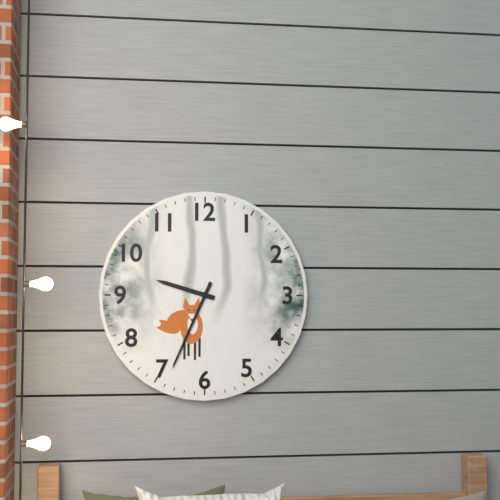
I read {"hour": 9, "minute": 34}
